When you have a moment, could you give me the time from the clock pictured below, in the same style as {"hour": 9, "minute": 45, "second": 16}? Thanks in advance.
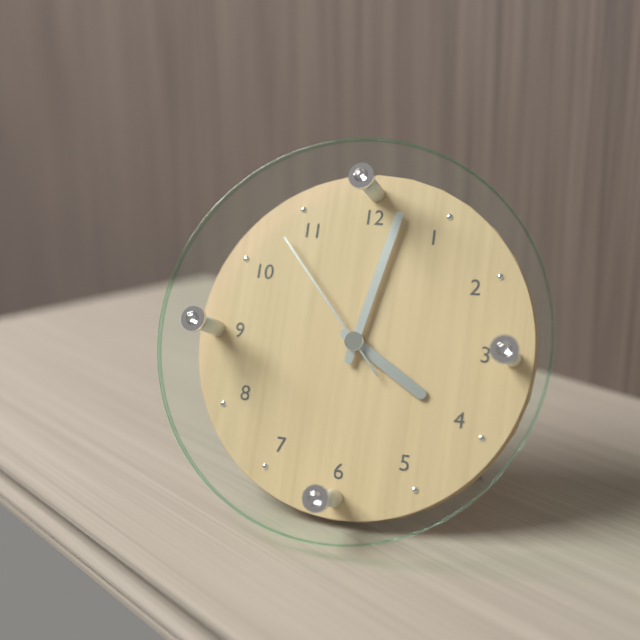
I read {"hour": 4, "minute": 2, "second": 53}
